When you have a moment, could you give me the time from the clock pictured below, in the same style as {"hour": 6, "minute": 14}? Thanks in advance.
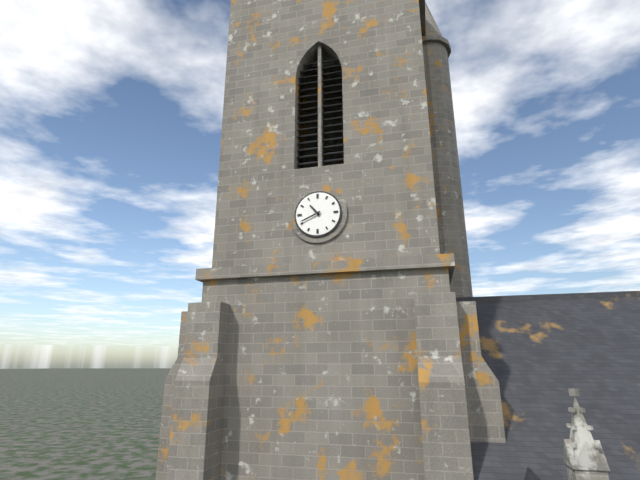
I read {"hour": 10, "minute": 41}
